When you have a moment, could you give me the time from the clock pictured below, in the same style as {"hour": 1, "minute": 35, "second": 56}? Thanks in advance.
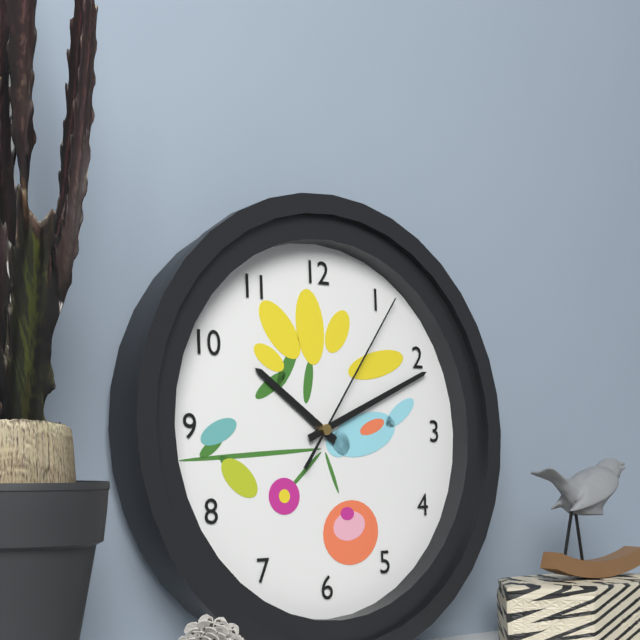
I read {"hour": 10, "minute": 11, "second": 6}
